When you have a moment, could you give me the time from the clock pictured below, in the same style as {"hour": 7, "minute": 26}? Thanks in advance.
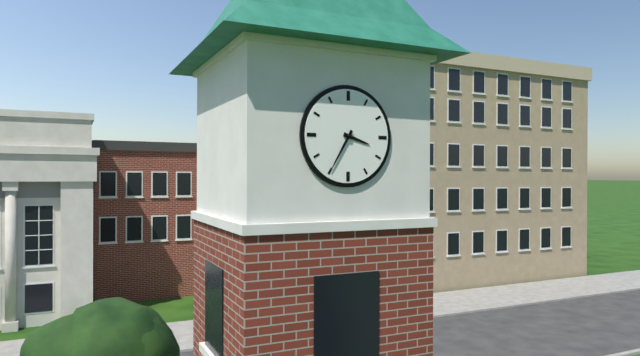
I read {"hour": 3, "minute": 35}
